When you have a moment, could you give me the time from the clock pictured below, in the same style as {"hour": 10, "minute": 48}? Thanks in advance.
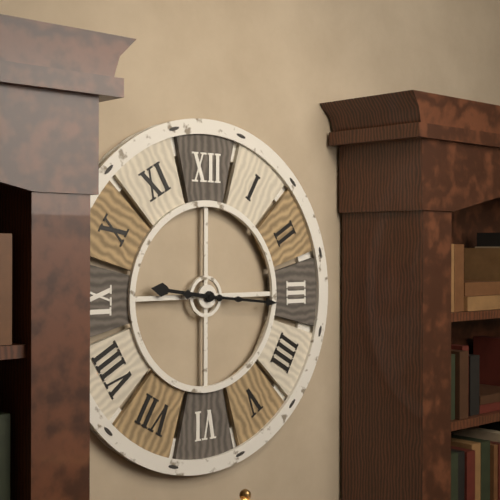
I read {"hour": 9, "minute": 16}
